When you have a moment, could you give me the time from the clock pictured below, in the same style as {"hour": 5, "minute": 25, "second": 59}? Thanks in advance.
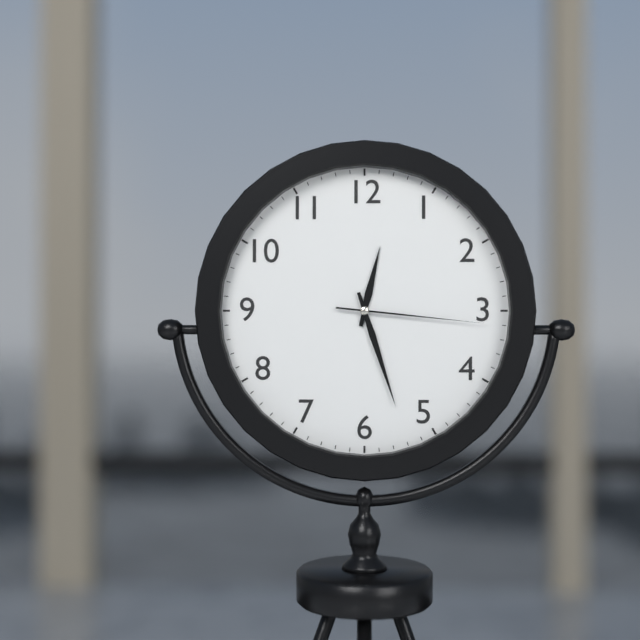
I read {"hour": 12, "minute": 27, "second": 16}
